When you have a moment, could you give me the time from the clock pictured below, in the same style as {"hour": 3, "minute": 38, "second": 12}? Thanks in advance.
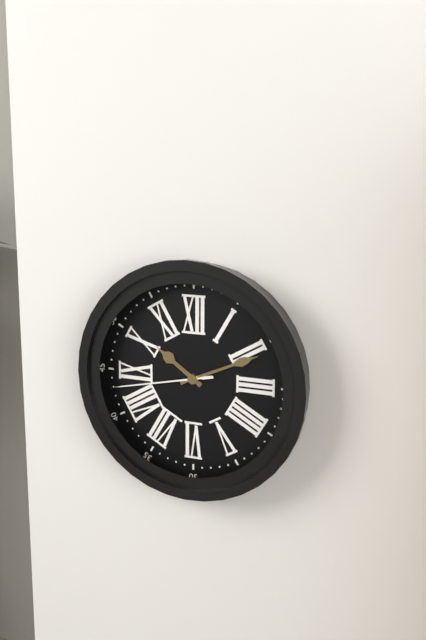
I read {"hour": 10, "minute": 11, "second": 43}
